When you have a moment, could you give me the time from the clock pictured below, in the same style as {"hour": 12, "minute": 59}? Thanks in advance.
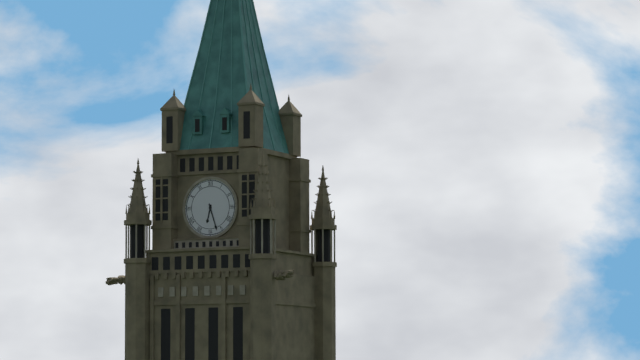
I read {"hour": 6, "minute": 27}
